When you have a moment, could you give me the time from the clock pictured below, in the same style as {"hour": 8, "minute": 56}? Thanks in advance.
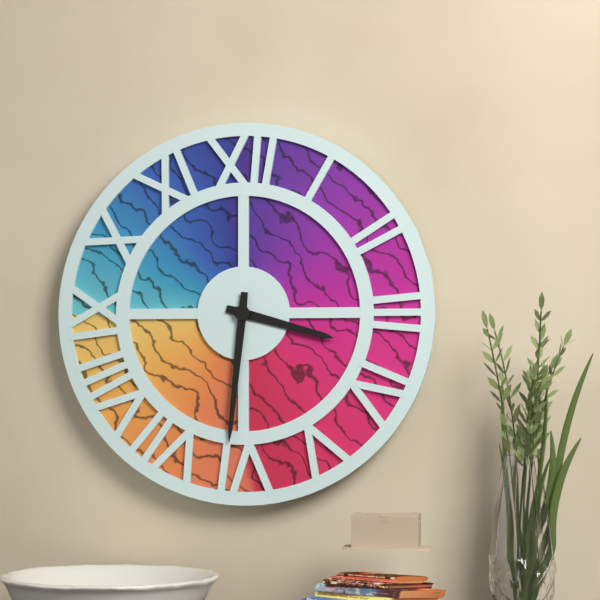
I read {"hour": 3, "minute": 31}
